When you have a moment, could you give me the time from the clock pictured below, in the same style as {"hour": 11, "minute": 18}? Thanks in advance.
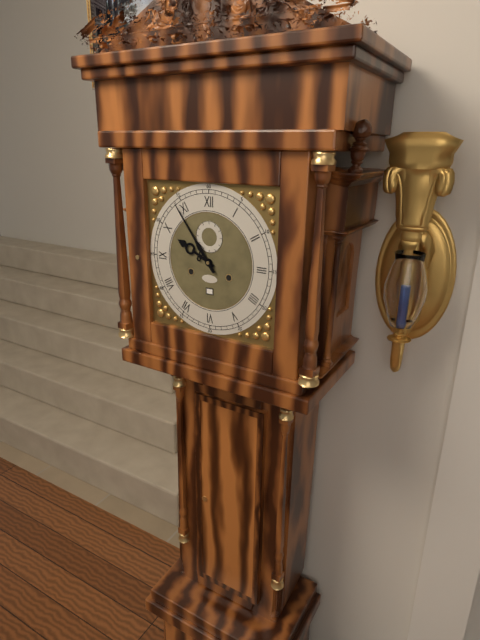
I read {"hour": 9, "minute": 54}
